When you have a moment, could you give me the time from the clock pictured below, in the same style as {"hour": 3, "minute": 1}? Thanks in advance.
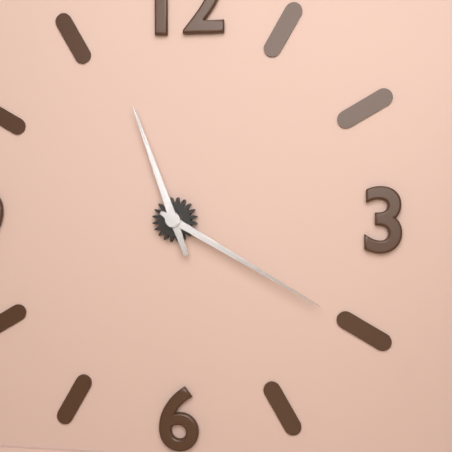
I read {"hour": 11, "minute": 20}
